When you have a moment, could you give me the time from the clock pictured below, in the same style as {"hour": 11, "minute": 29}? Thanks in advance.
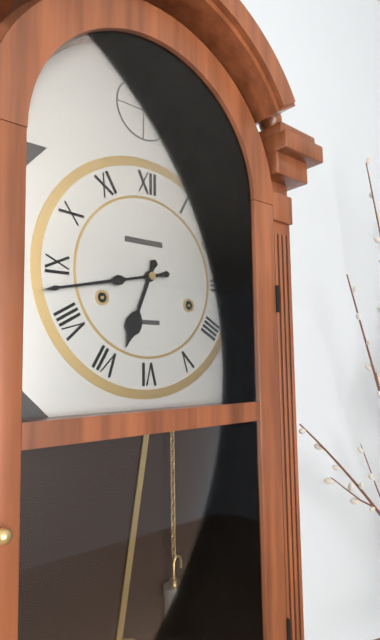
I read {"hour": 6, "minute": 43}
